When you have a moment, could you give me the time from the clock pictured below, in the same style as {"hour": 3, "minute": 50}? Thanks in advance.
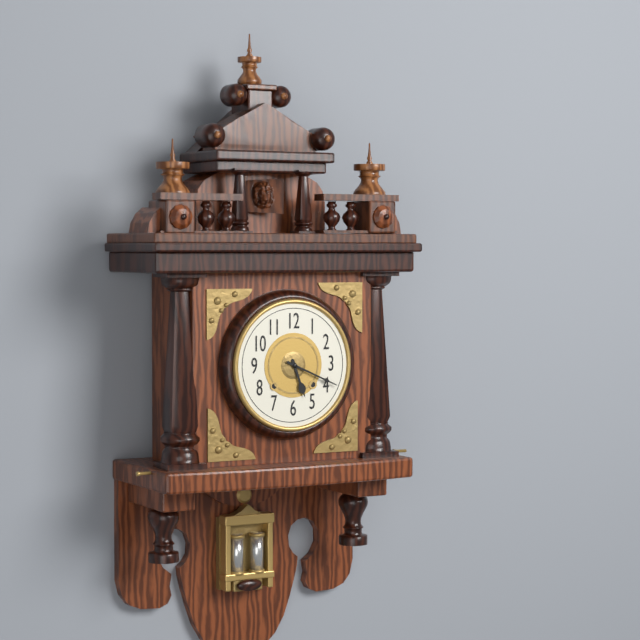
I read {"hour": 5, "minute": 19}
